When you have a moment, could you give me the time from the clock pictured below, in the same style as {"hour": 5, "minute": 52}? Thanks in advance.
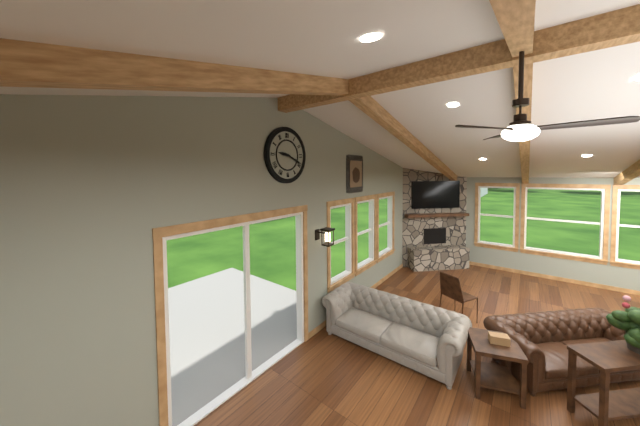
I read {"hour": 9, "minute": 19}
